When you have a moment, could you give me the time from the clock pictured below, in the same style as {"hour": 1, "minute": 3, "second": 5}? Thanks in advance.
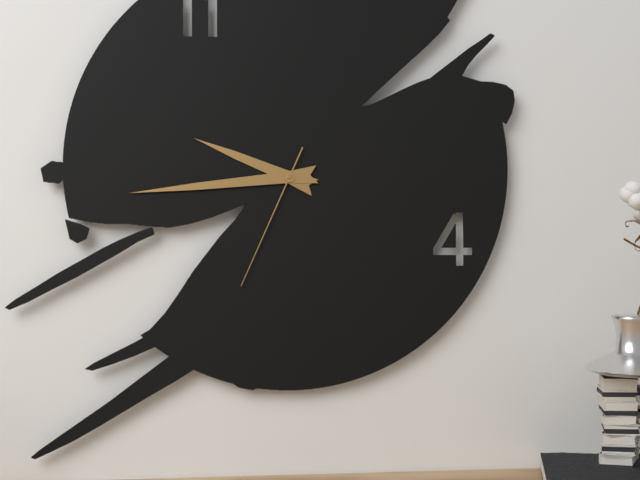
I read {"hour": 9, "minute": 44, "second": 34}
